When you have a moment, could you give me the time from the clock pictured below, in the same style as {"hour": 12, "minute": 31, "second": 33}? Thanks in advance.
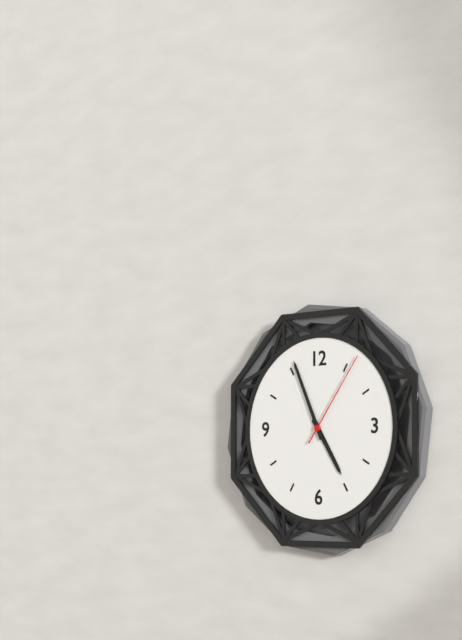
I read {"hour": 4, "minute": 56, "second": 6}
